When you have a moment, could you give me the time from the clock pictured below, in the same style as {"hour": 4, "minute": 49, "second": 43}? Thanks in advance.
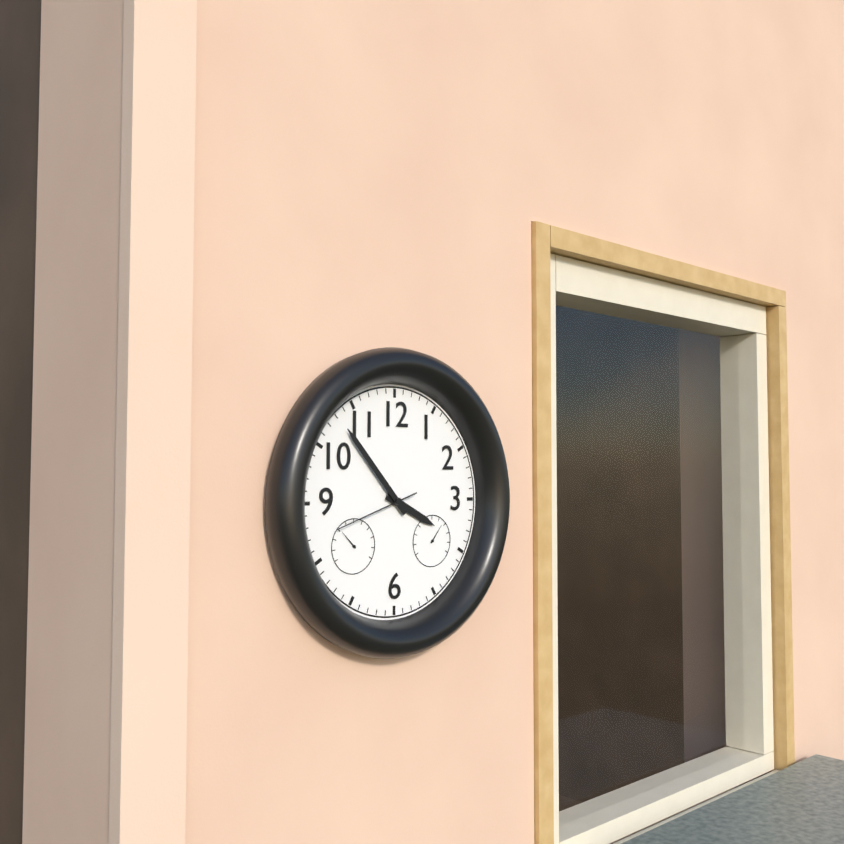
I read {"hour": 3, "minute": 53, "second": 42}
